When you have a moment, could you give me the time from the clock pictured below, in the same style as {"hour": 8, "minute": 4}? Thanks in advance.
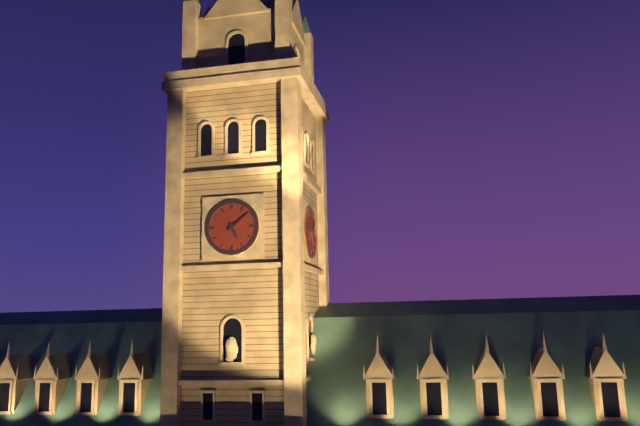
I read {"hour": 5, "minute": 9}
